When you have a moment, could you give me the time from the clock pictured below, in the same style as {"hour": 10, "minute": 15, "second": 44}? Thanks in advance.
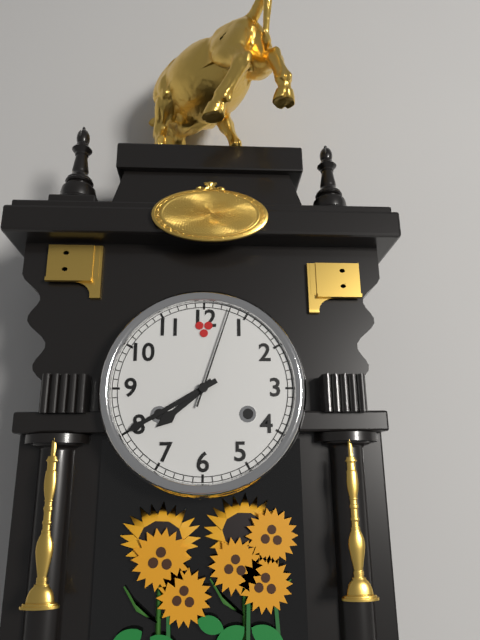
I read {"hour": 7, "minute": 40, "second": 3}
